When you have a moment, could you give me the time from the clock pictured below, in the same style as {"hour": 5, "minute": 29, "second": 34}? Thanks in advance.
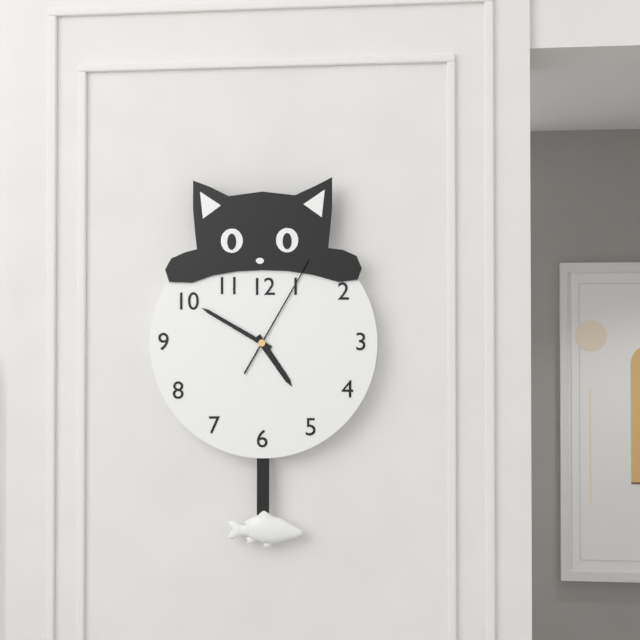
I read {"hour": 4, "minute": 50, "second": 5}
